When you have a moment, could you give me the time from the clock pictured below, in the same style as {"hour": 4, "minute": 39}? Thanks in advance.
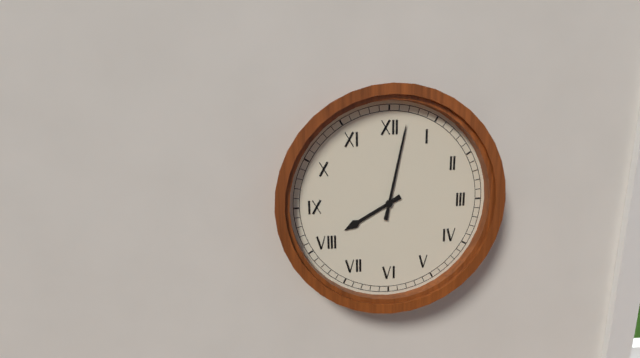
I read {"hour": 8, "minute": 2}
